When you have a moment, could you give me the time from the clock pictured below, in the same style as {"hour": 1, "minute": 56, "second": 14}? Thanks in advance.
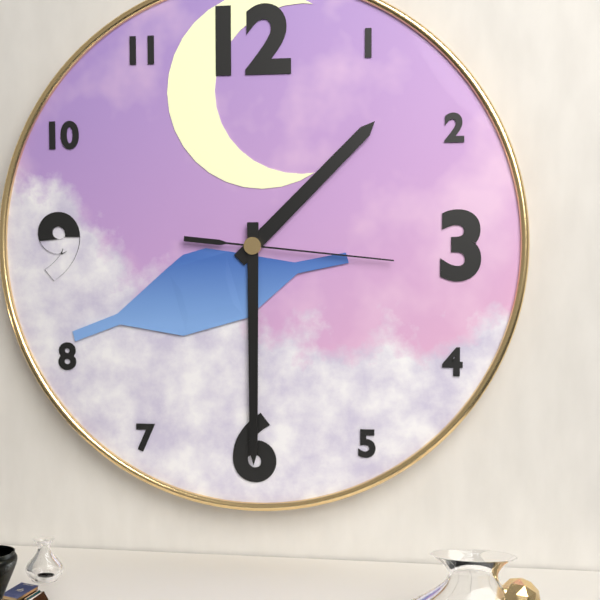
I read {"hour": 1, "minute": 30, "second": 16}
